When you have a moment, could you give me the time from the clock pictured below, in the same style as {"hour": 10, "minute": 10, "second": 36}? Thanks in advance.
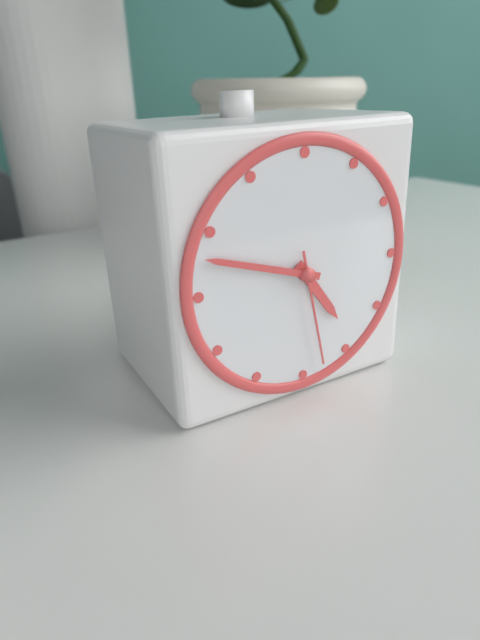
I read {"hour": 4, "minute": 48, "second": 28}
